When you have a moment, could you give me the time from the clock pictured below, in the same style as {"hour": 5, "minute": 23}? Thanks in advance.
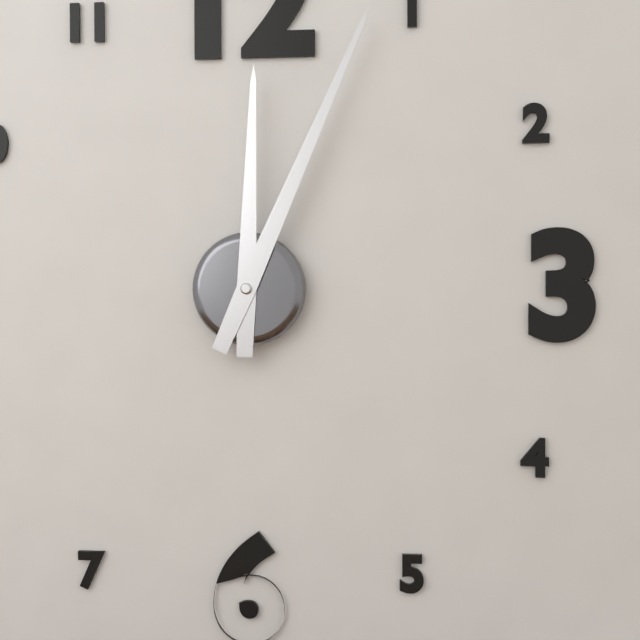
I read {"hour": 12, "minute": 4}
